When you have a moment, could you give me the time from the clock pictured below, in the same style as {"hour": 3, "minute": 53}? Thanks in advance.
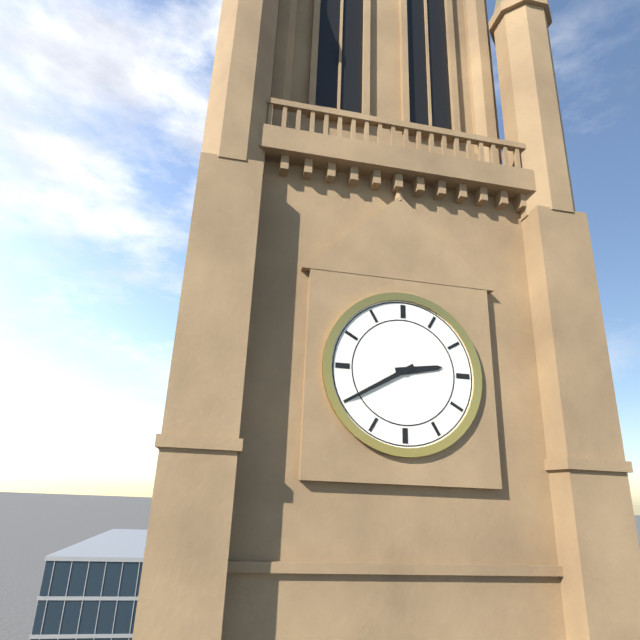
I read {"hour": 2, "minute": 40}
